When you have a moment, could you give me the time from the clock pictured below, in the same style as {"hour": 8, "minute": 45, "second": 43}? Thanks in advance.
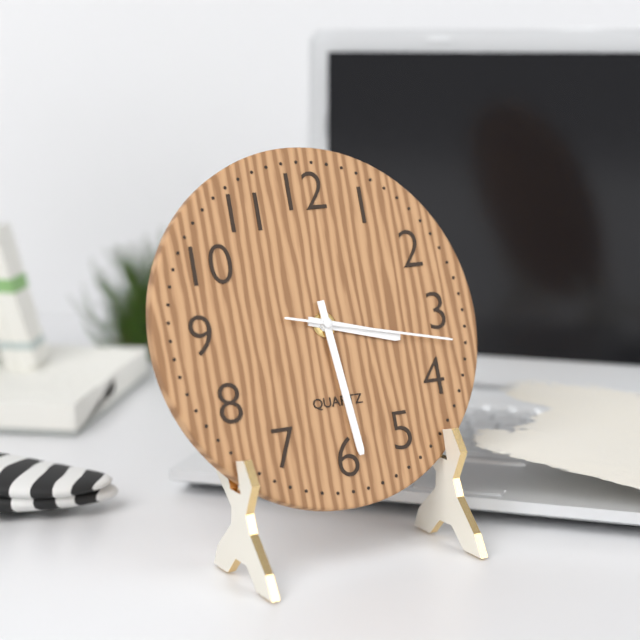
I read {"hour": 3, "minute": 29, "second": 17}
